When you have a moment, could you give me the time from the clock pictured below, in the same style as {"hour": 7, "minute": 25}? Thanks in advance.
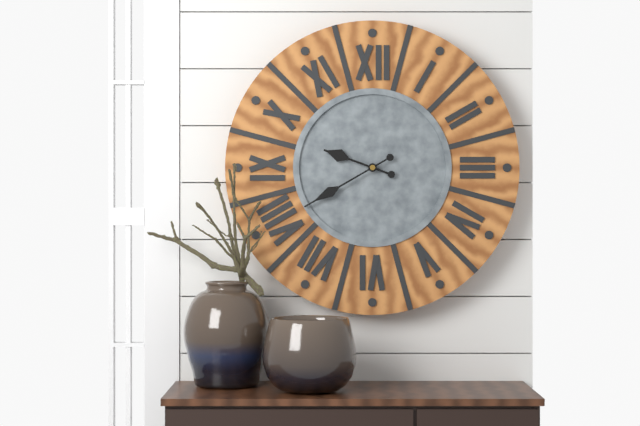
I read {"hour": 9, "minute": 40}
